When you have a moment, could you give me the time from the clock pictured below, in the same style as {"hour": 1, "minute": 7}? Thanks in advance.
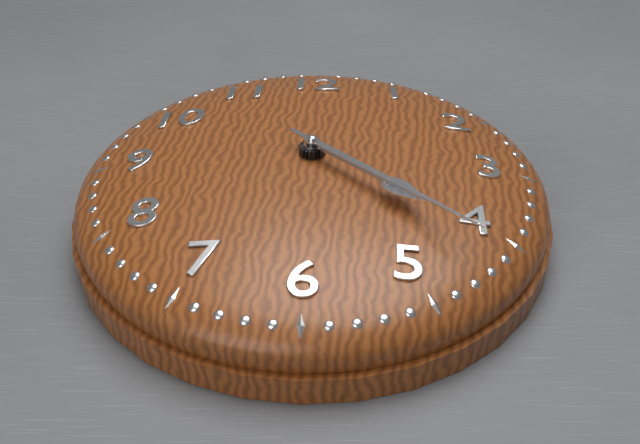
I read {"hour": 4, "minute": 22}
